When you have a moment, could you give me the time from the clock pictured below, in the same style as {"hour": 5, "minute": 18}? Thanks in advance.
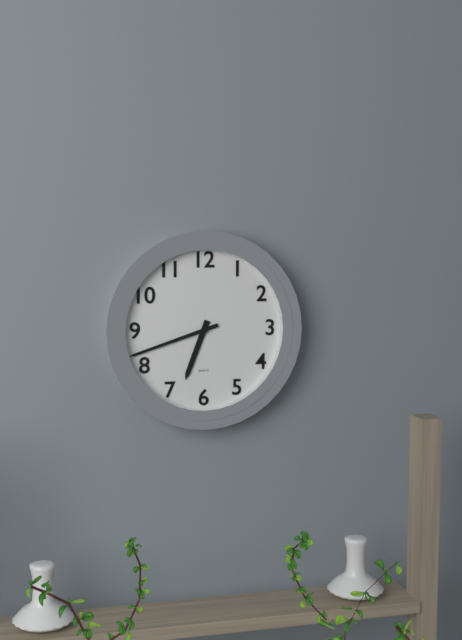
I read {"hour": 6, "minute": 42}
